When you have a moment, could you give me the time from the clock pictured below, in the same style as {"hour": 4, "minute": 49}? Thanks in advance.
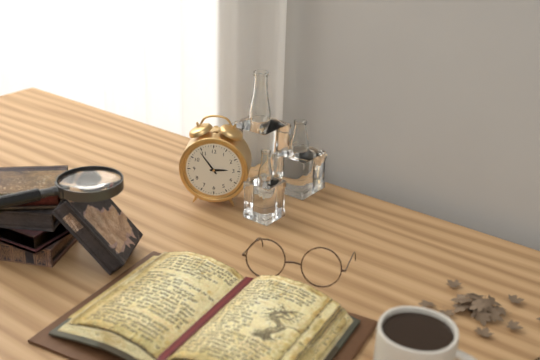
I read {"hour": 2, "minute": 54}
